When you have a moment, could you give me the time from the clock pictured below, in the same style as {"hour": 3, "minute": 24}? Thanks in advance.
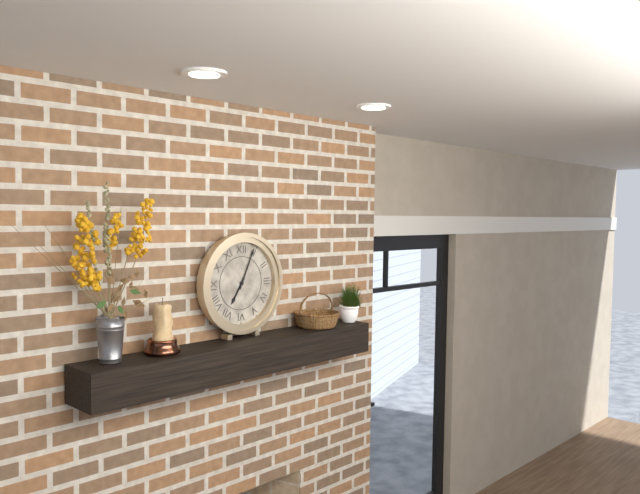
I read {"hour": 7, "minute": 4}
